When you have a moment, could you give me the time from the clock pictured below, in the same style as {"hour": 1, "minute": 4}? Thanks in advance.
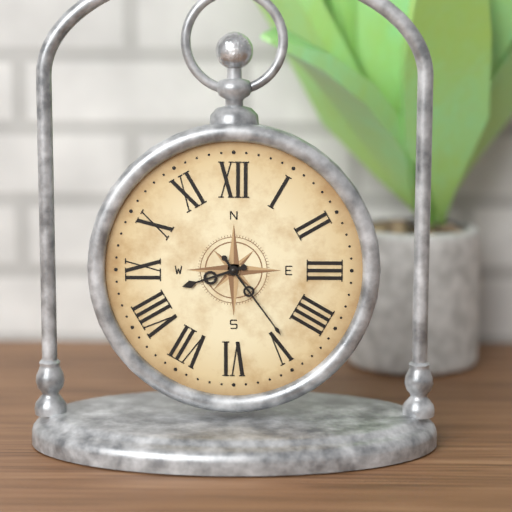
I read {"hour": 8, "minute": 24}
